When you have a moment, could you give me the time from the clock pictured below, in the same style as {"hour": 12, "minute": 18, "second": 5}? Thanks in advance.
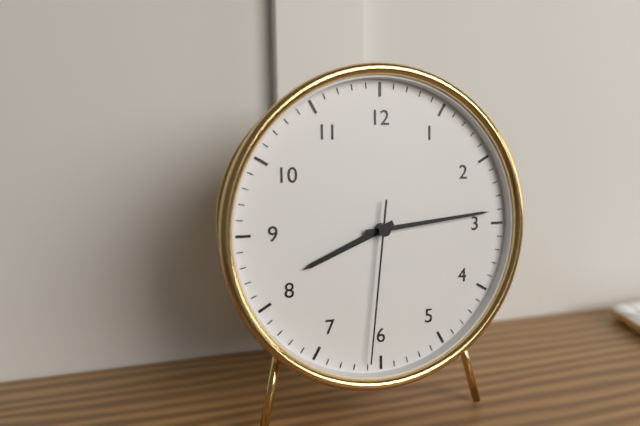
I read {"hour": 8, "minute": 14, "second": 31}
